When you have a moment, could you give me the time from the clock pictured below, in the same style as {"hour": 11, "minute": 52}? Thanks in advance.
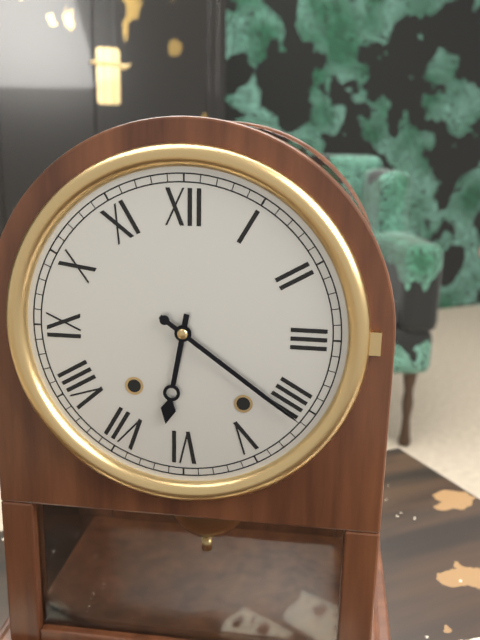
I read {"hour": 6, "minute": 21}
